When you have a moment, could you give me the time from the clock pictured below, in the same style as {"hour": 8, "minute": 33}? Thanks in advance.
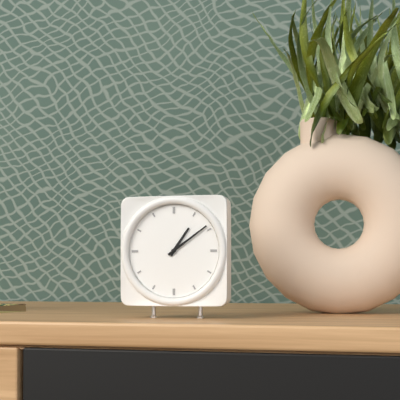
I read {"hour": 1, "minute": 9}
